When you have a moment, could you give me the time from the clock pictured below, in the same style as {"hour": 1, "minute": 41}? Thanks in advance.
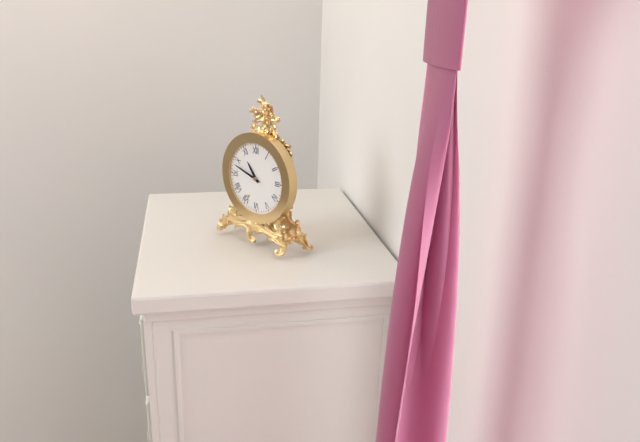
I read {"hour": 10, "minute": 48}
